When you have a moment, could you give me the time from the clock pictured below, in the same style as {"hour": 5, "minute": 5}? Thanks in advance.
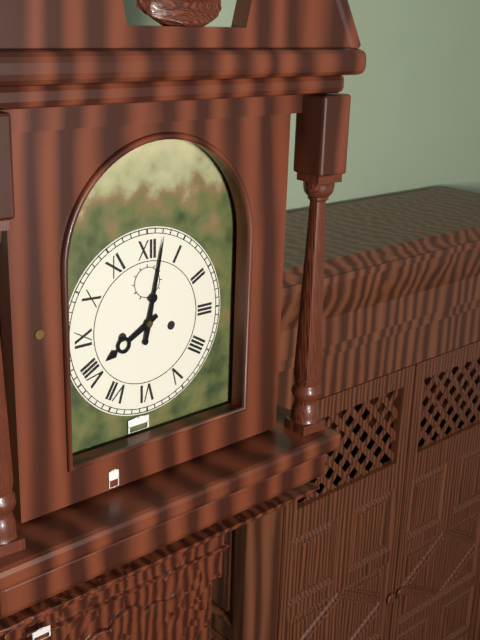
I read {"hour": 8, "minute": 2}
